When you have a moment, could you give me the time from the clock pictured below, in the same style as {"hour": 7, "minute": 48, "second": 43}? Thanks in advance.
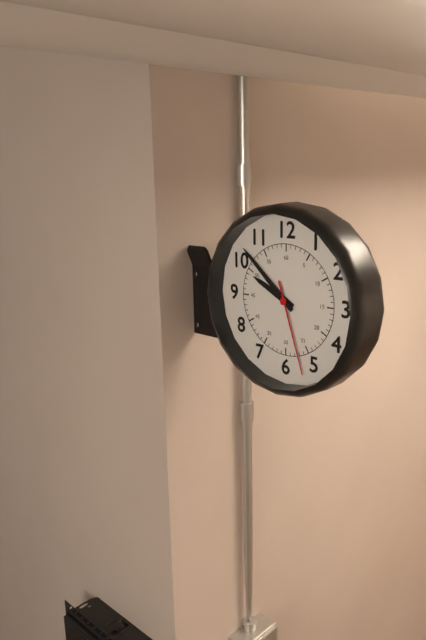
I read {"hour": 9, "minute": 52, "second": 27}
